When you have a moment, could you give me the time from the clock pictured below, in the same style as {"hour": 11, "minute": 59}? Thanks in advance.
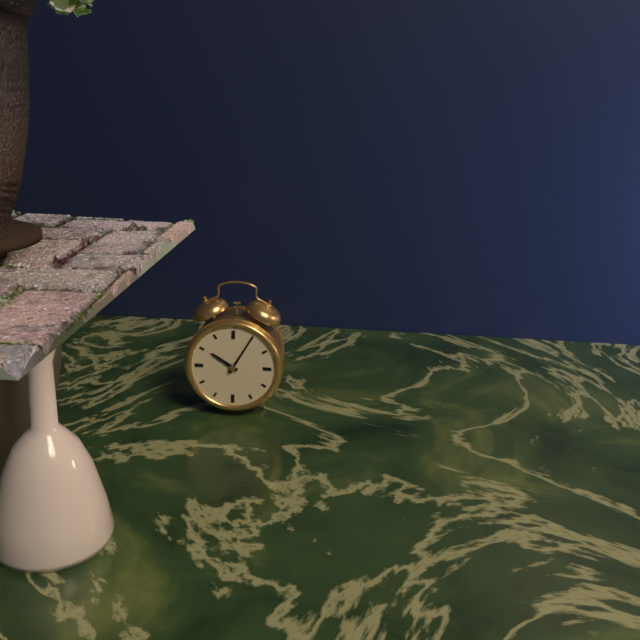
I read {"hour": 10, "minute": 5}
